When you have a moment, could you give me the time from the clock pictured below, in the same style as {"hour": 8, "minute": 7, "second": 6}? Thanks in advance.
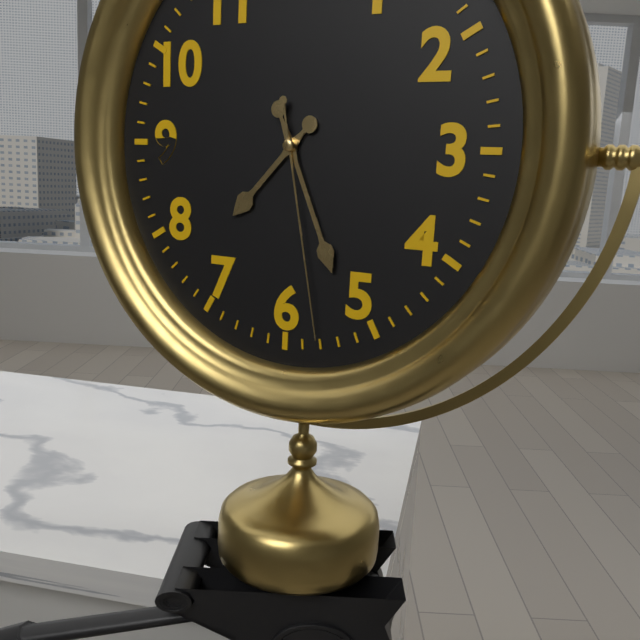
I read {"hour": 7, "minute": 26, "second": 28}
